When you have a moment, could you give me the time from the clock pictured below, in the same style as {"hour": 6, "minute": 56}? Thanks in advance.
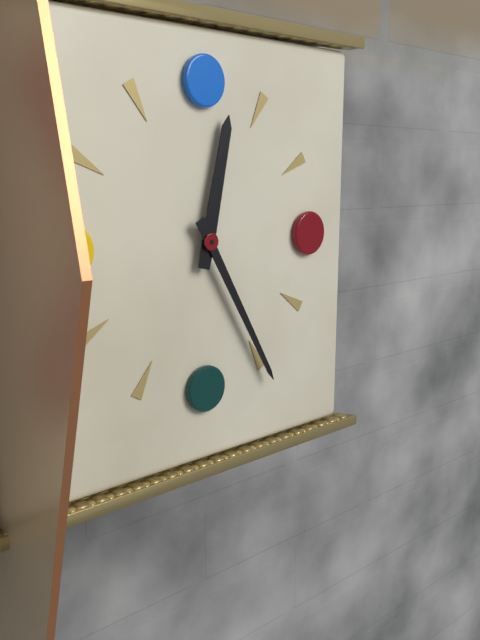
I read {"hour": 12, "minute": 25}
